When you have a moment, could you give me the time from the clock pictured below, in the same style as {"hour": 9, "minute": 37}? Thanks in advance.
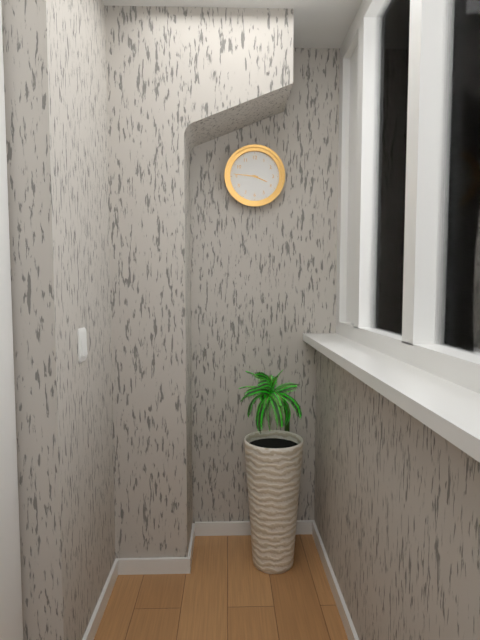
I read {"hour": 3, "minute": 46}
